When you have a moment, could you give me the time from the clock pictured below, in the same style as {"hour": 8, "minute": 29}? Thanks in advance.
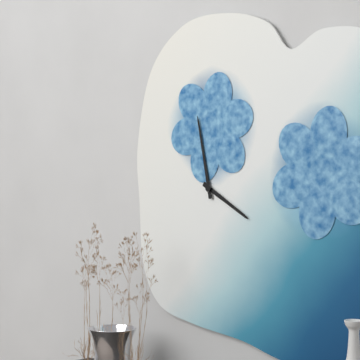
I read {"hour": 3, "minute": 58}
